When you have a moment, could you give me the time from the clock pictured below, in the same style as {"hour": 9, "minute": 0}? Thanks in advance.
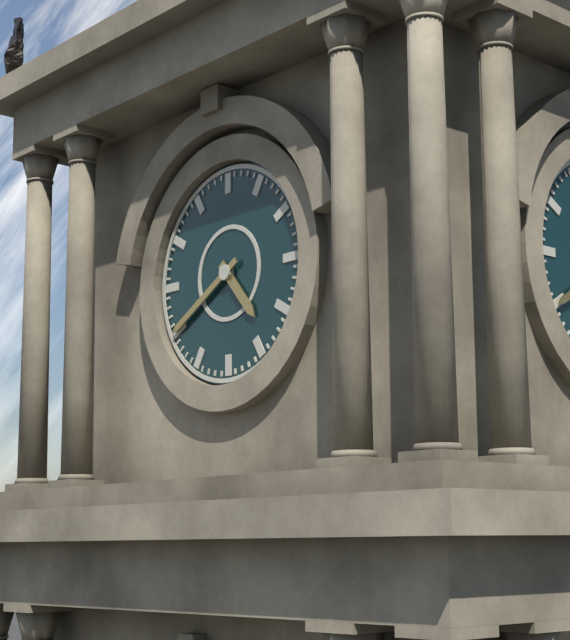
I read {"hour": 4, "minute": 40}
